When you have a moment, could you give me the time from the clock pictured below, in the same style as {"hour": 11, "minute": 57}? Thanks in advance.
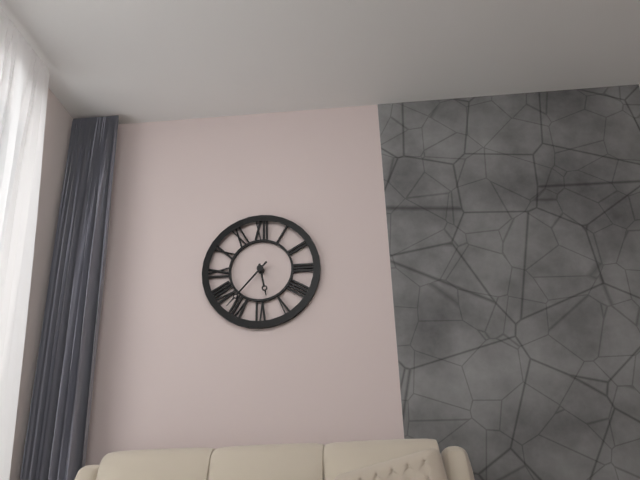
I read {"hour": 5, "minute": 37}
